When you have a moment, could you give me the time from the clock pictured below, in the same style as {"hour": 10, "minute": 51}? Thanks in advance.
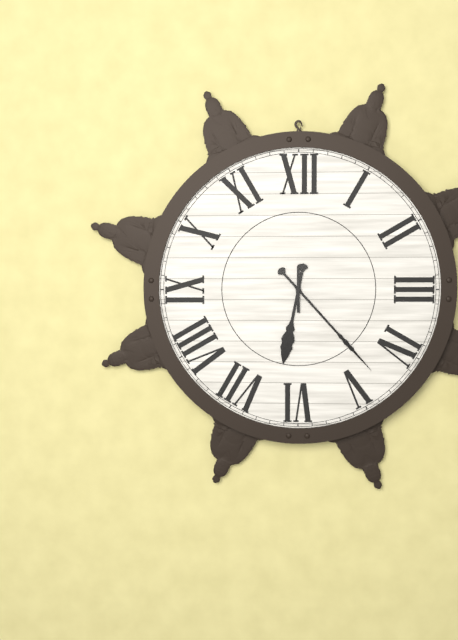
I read {"hour": 6, "minute": 23}
